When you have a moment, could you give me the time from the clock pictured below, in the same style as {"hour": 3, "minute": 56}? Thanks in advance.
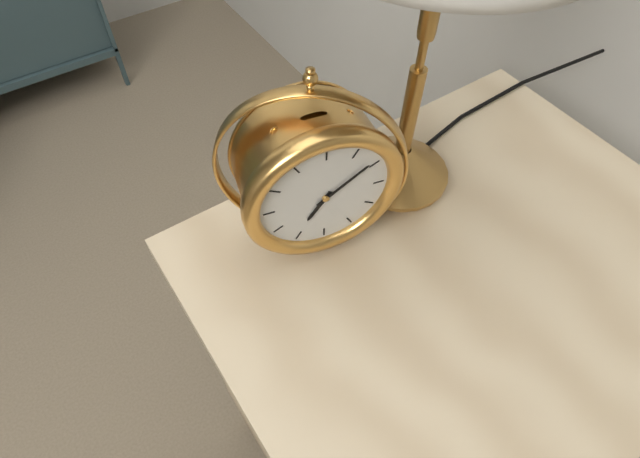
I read {"hour": 7, "minute": 9}
